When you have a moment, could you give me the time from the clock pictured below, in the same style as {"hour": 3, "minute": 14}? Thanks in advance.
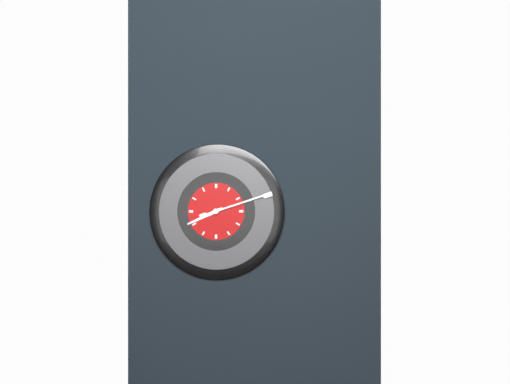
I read {"hour": 8, "minute": 12}
